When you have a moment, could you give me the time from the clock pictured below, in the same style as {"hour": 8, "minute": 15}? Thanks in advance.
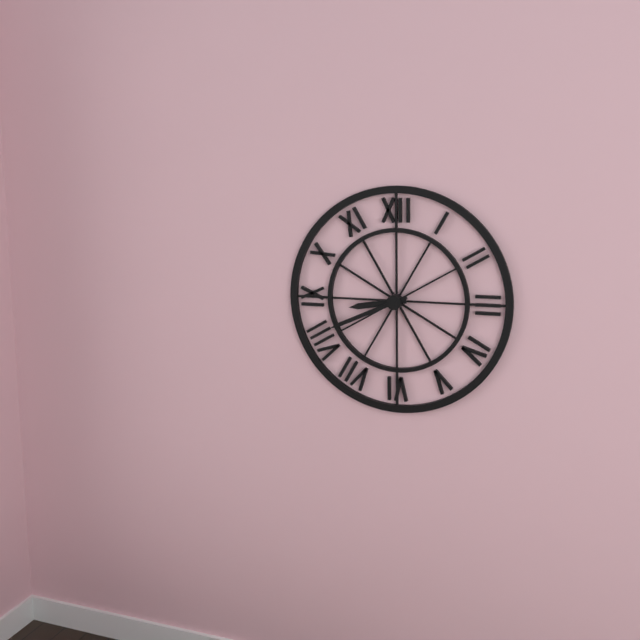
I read {"hour": 8, "minute": 41}
